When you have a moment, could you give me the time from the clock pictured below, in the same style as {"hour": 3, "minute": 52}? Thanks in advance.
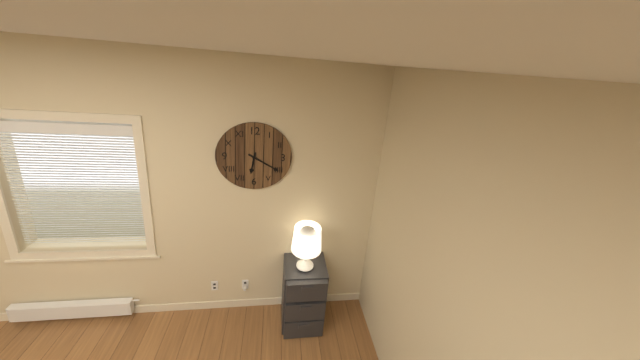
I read {"hour": 6, "minute": 20}
